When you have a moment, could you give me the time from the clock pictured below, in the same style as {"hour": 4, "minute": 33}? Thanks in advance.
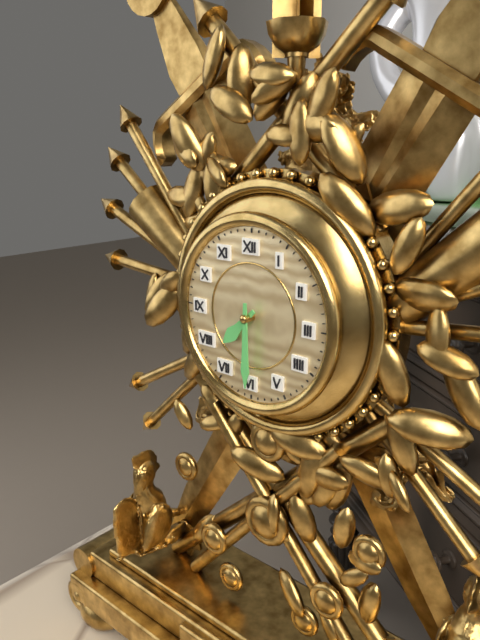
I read {"hour": 7, "minute": 30}
